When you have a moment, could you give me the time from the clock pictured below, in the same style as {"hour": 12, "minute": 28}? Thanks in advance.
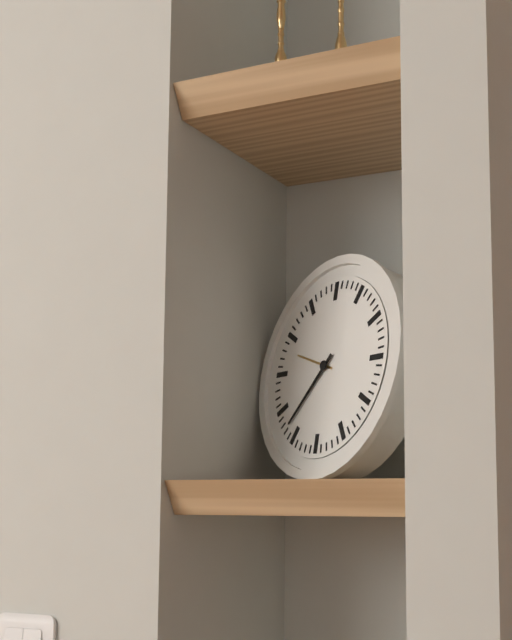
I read {"hour": 9, "minute": 37}
